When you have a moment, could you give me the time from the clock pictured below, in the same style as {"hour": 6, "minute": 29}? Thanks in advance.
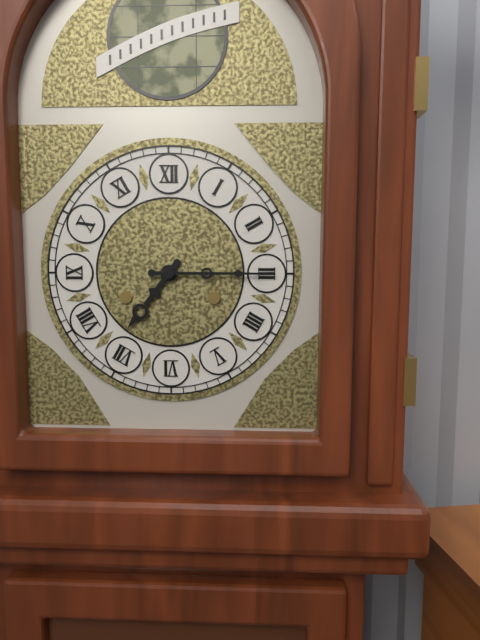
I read {"hour": 7, "minute": 15}
